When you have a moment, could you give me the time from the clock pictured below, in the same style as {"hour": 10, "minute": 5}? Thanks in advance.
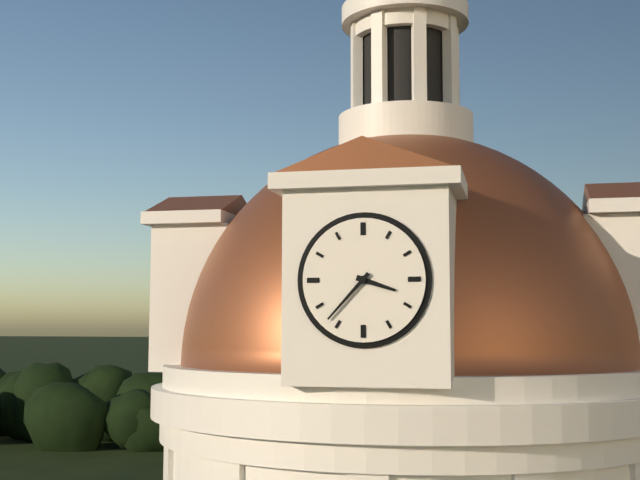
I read {"hour": 3, "minute": 37}
